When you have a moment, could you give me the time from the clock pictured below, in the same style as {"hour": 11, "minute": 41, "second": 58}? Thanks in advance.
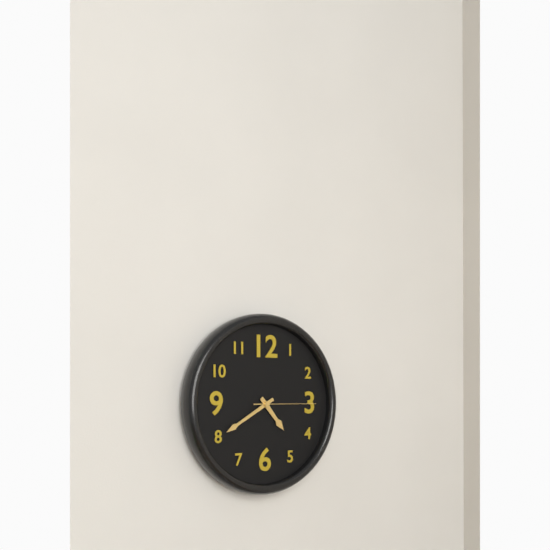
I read {"hour": 4, "minute": 40, "second": 15}
